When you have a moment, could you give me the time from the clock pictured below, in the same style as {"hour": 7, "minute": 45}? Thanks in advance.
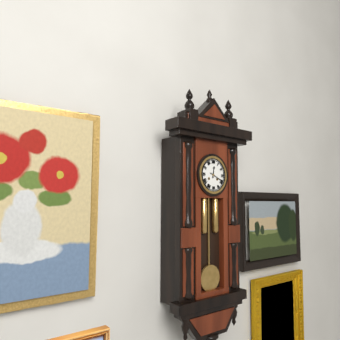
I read {"hour": 12, "minute": 19}
